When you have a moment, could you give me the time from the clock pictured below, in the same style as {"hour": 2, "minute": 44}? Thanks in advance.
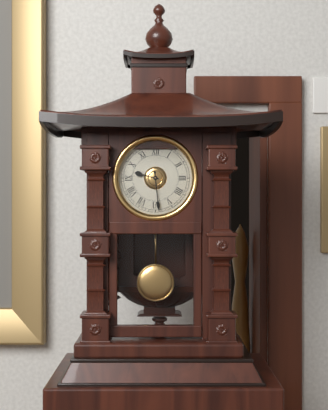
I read {"hour": 9, "minute": 29}
